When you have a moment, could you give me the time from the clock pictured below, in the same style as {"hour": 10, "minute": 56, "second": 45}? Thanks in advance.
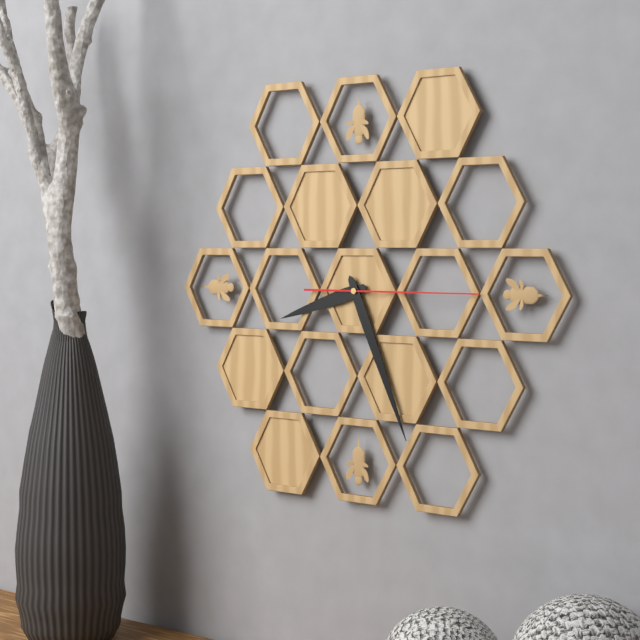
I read {"hour": 8, "minute": 26, "second": 15}
